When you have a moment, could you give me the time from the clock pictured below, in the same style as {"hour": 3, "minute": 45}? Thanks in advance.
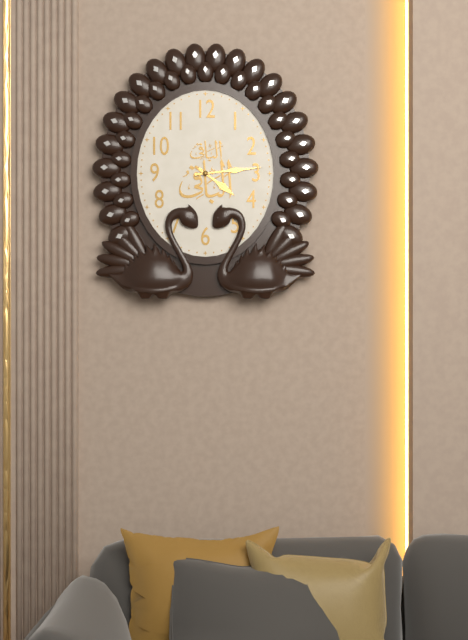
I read {"hour": 4, "minute": 14}
